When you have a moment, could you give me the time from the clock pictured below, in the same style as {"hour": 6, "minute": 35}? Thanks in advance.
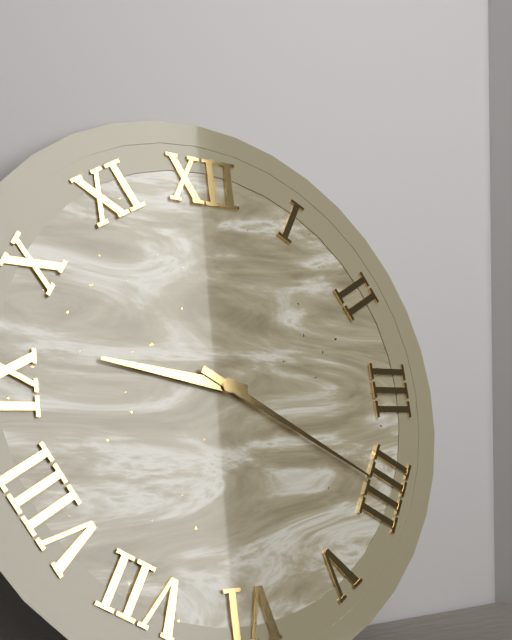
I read {"hour": 9, "minute": 20}
